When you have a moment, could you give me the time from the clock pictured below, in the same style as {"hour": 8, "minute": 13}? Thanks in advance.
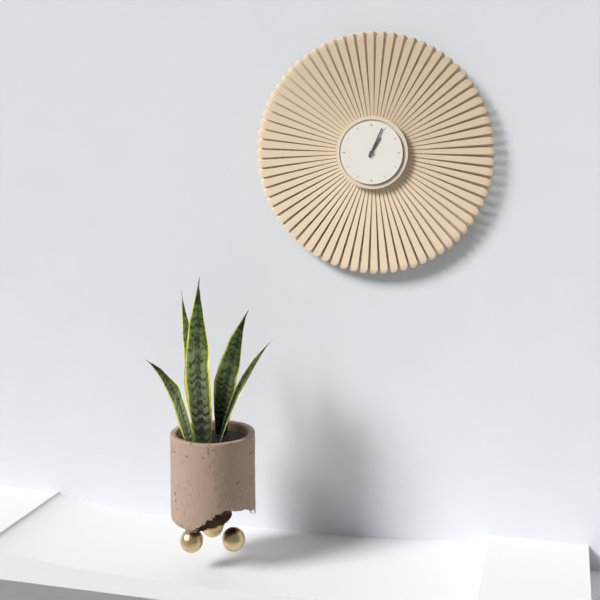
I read {"hour": 1, "minute": 4}
